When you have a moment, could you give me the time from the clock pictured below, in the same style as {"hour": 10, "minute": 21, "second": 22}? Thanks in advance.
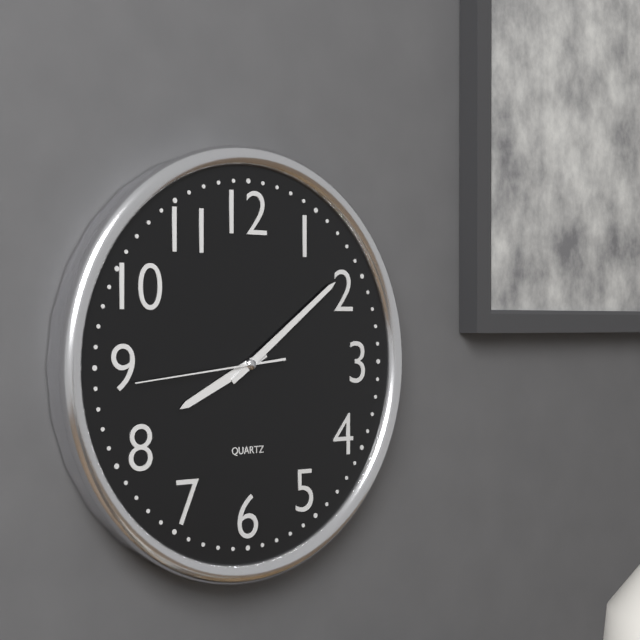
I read {"hour": 8, "minute": 9, "second": 44}
